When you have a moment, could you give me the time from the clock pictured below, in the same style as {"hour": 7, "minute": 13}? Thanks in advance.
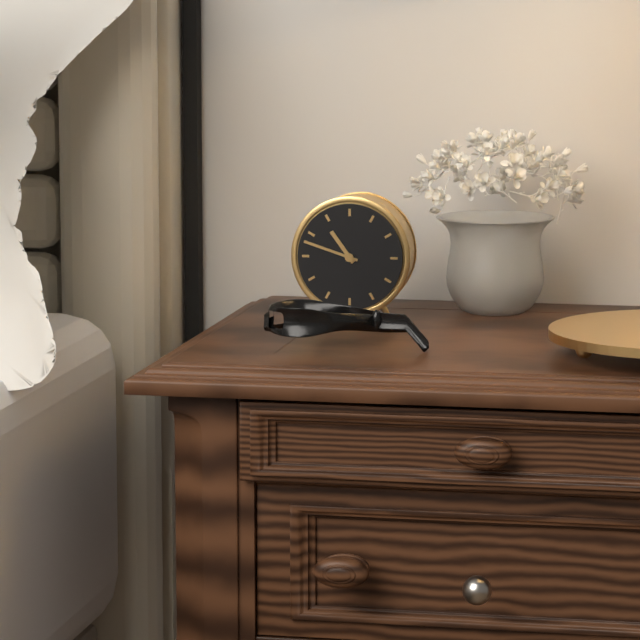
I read {"hour": 10, "minute": 48}
